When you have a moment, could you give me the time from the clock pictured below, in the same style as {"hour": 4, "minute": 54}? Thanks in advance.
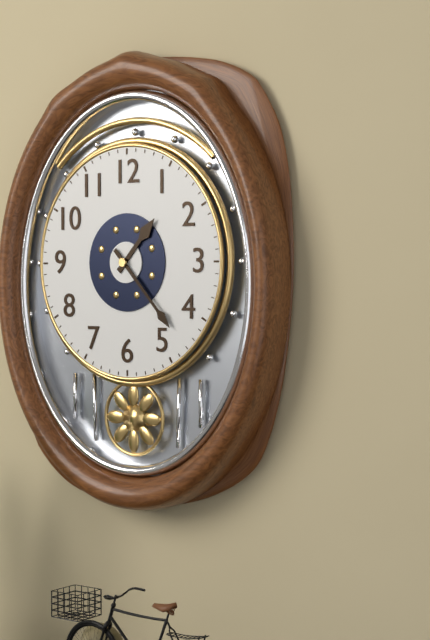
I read {"hour": 1, "minute": 23}
